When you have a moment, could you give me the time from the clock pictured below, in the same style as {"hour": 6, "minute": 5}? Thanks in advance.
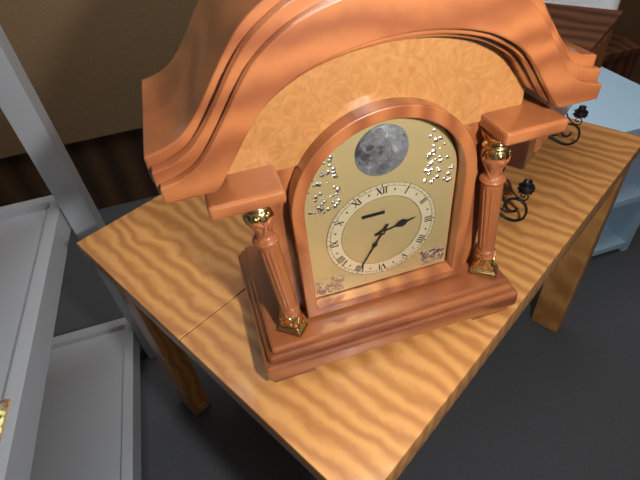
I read {"hour": 2, "minute": 35}
